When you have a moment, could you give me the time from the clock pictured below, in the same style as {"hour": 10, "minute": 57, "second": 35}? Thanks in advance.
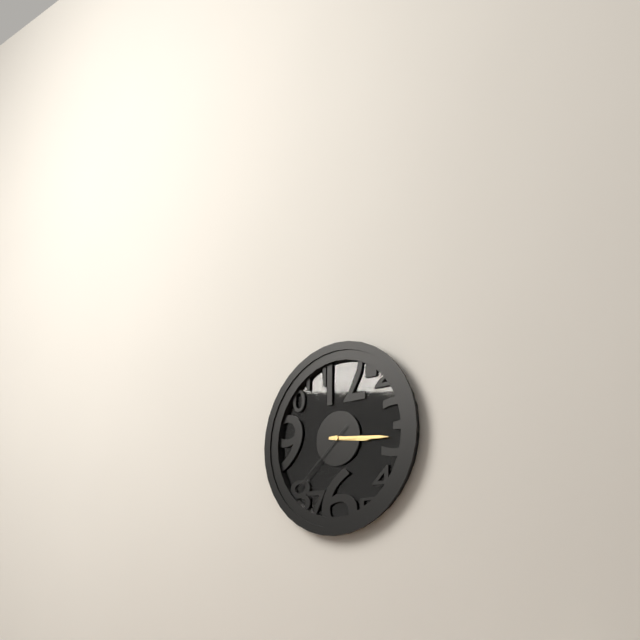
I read {"hour": 3, "minute": 16, "second": 38}
